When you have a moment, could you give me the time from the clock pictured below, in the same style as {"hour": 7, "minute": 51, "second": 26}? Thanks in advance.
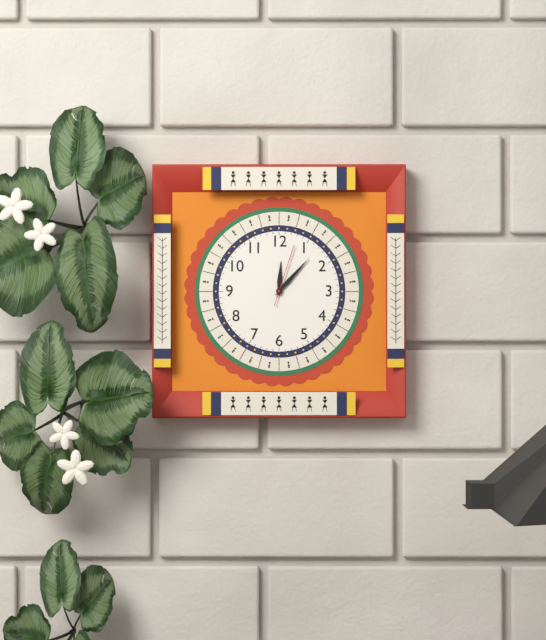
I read {"hour": 12, "minute": 7, "second": 3}
